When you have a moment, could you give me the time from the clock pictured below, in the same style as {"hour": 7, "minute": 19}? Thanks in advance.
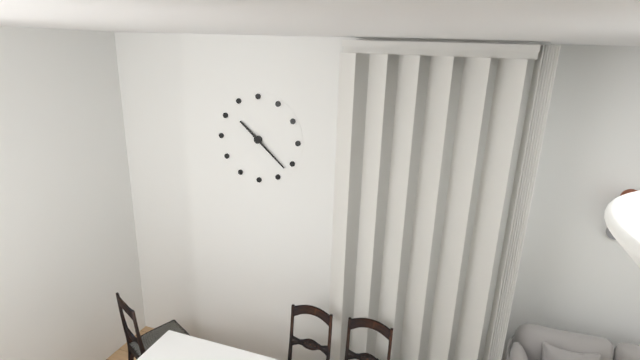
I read {"hour": 10, "minute": 22}
